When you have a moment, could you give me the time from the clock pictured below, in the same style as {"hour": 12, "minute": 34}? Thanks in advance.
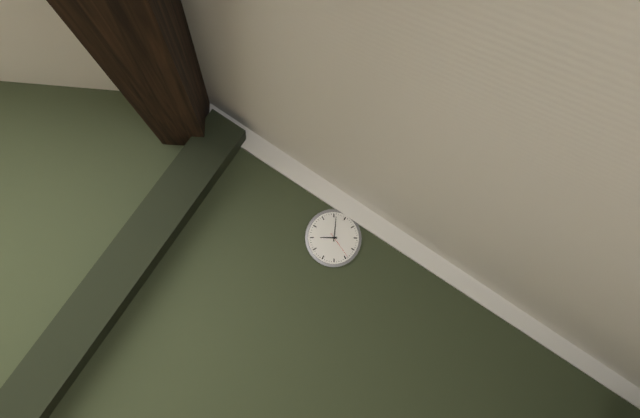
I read {"hour": 9, "minute": 1}
